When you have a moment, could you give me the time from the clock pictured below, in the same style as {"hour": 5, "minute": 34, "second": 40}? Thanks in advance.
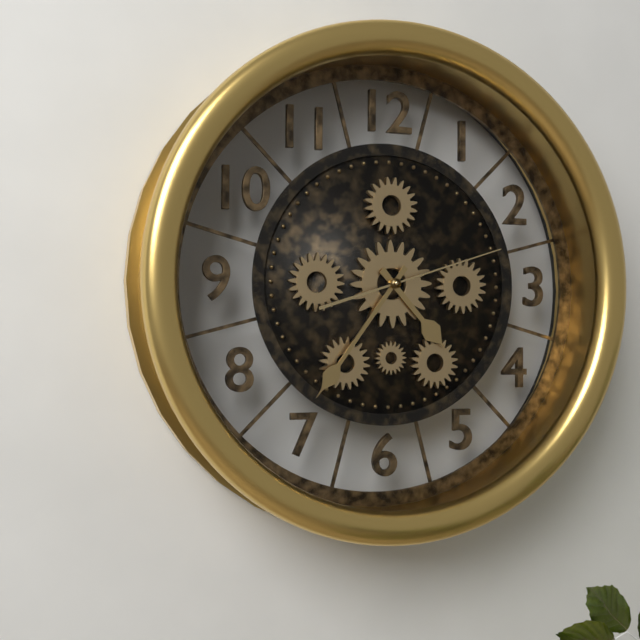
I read {"hour": 4, "minute": 36, "second": 12}
